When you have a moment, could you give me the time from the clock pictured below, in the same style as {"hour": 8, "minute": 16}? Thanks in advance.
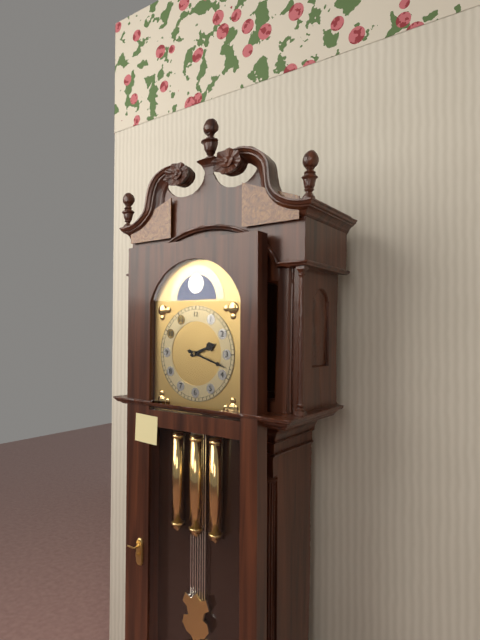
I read {"hour": 2, "minute": 18}
